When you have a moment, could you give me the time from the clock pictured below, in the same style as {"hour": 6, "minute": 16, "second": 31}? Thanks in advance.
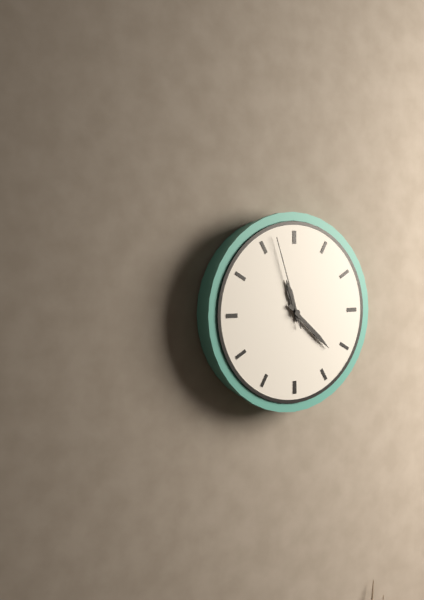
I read {"hour": 11, "minute": 22, "second": 57}
